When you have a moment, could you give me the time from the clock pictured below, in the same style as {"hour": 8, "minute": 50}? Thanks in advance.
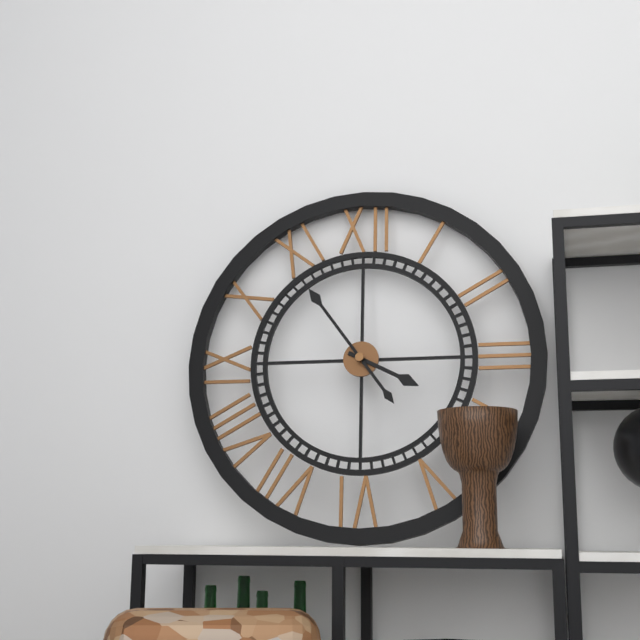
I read {"hour": 3, "minute": 54}
